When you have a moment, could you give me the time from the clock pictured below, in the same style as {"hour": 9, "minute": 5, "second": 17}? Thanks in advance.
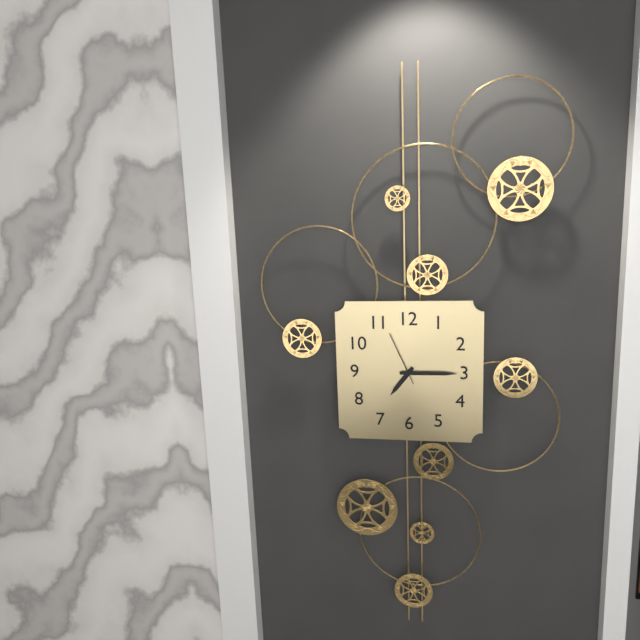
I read {"hour": 7, "minute": 15, "second": 56}
